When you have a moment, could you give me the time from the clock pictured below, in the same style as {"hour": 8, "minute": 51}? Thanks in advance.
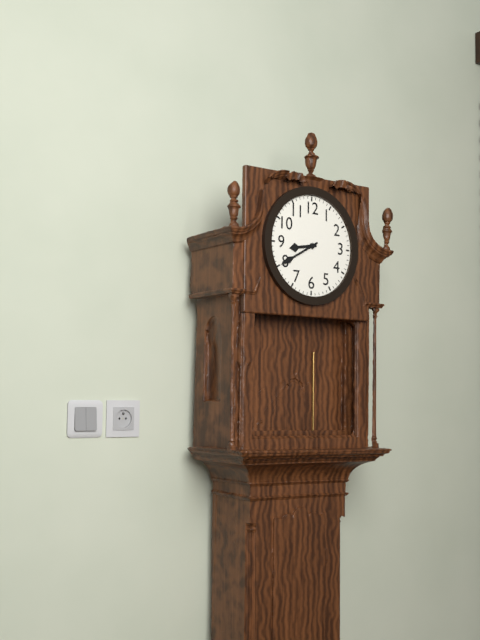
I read {"hour": 8, "minute": 40}
